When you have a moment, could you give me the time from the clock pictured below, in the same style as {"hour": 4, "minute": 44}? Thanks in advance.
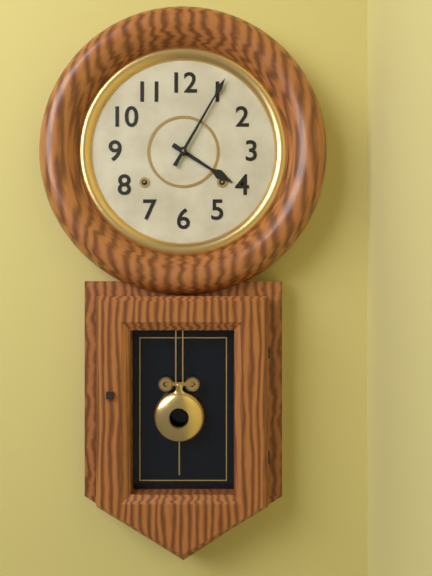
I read {"hour": 4, "minute": 5}
